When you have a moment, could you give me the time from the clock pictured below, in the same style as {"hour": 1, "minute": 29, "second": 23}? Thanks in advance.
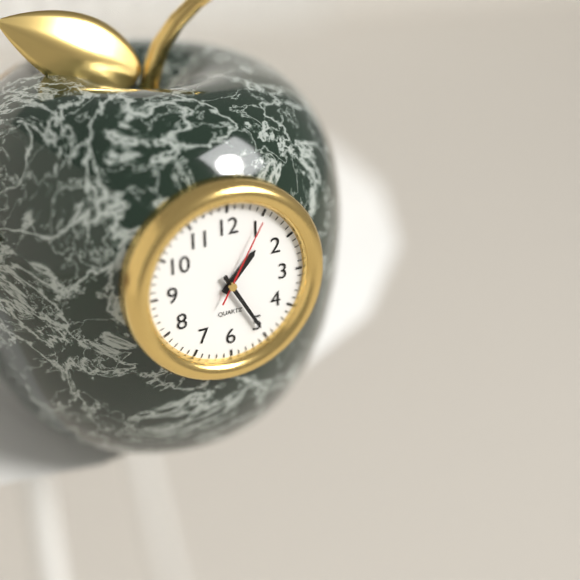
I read {"hour": 1, "minute": 25, "second": 5}
